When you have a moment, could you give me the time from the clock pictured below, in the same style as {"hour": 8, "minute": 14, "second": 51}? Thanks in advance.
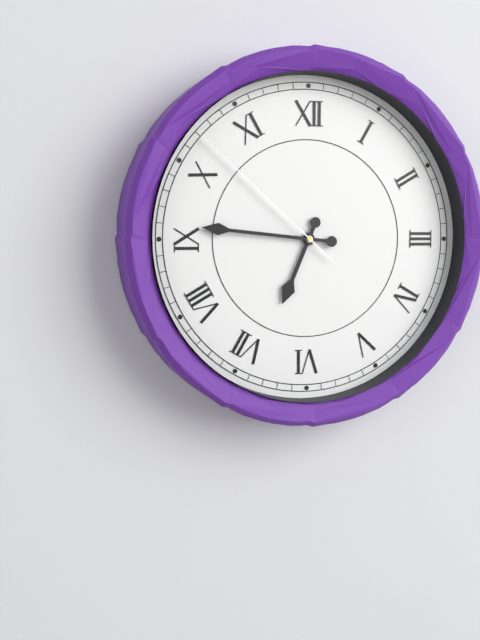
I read {"hour": 6, "minute": 46, "second": 52}
